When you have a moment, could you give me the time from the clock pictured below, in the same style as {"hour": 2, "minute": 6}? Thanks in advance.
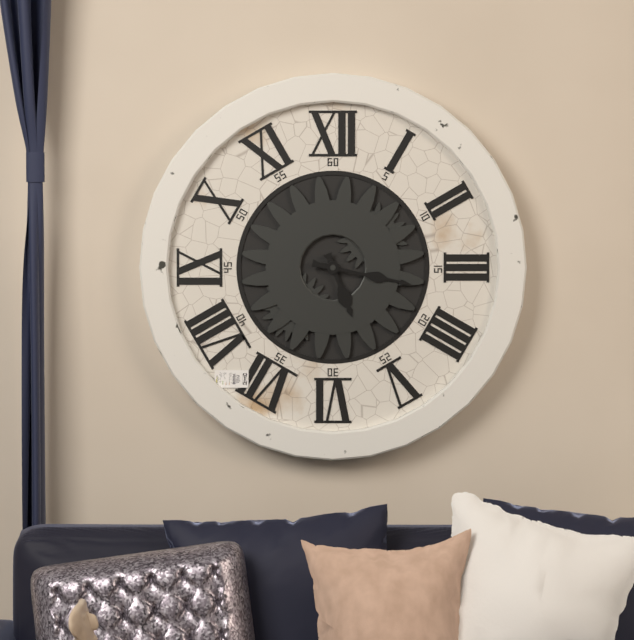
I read {"hour": 5, "minute": 17}
